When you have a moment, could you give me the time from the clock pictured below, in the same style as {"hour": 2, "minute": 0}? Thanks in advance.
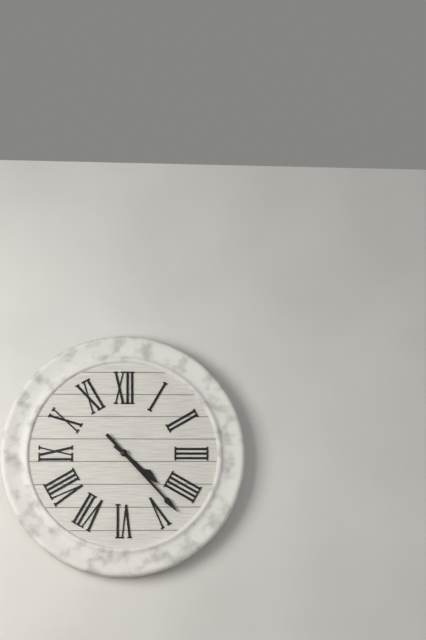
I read {"hour": 4, "minute": 23}
